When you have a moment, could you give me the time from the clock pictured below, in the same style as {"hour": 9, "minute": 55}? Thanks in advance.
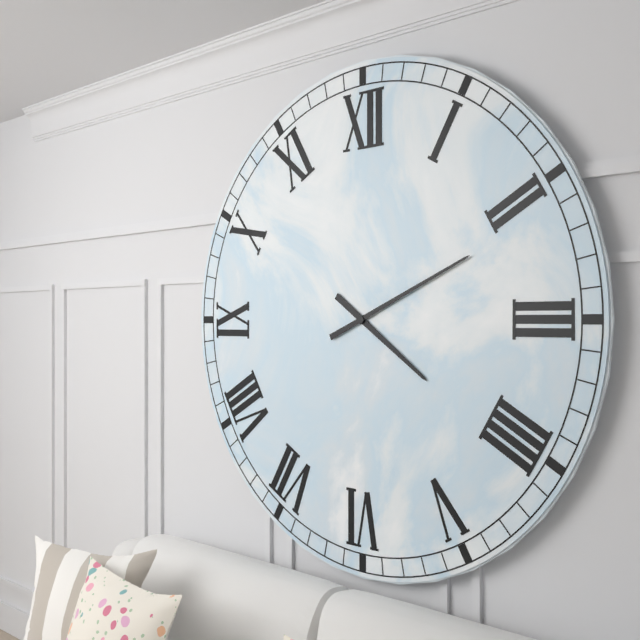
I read {"hour": 4, "minute": 11}
